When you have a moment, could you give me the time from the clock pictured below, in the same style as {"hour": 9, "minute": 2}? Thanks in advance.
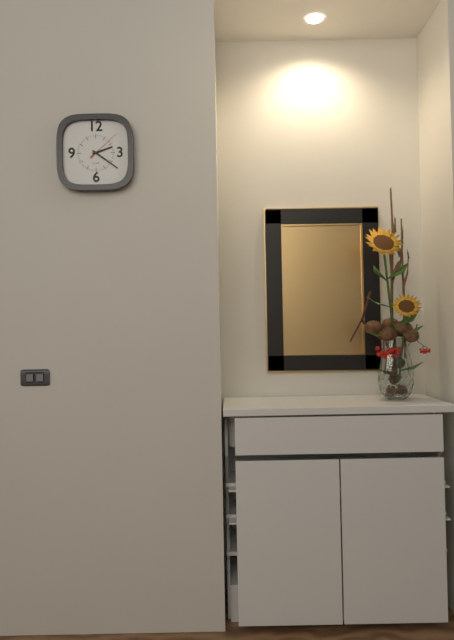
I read {"hour": 2, "minute": 21}
